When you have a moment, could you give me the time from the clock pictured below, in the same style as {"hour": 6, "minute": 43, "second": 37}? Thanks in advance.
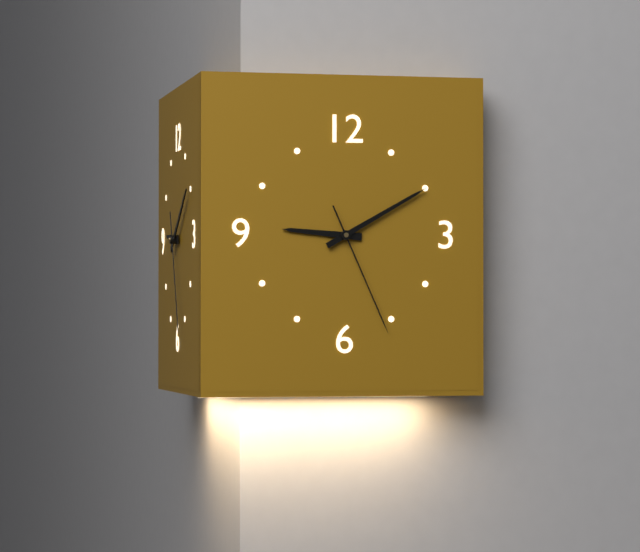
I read {"hour": 9, "minute": 10, "second": 26}
